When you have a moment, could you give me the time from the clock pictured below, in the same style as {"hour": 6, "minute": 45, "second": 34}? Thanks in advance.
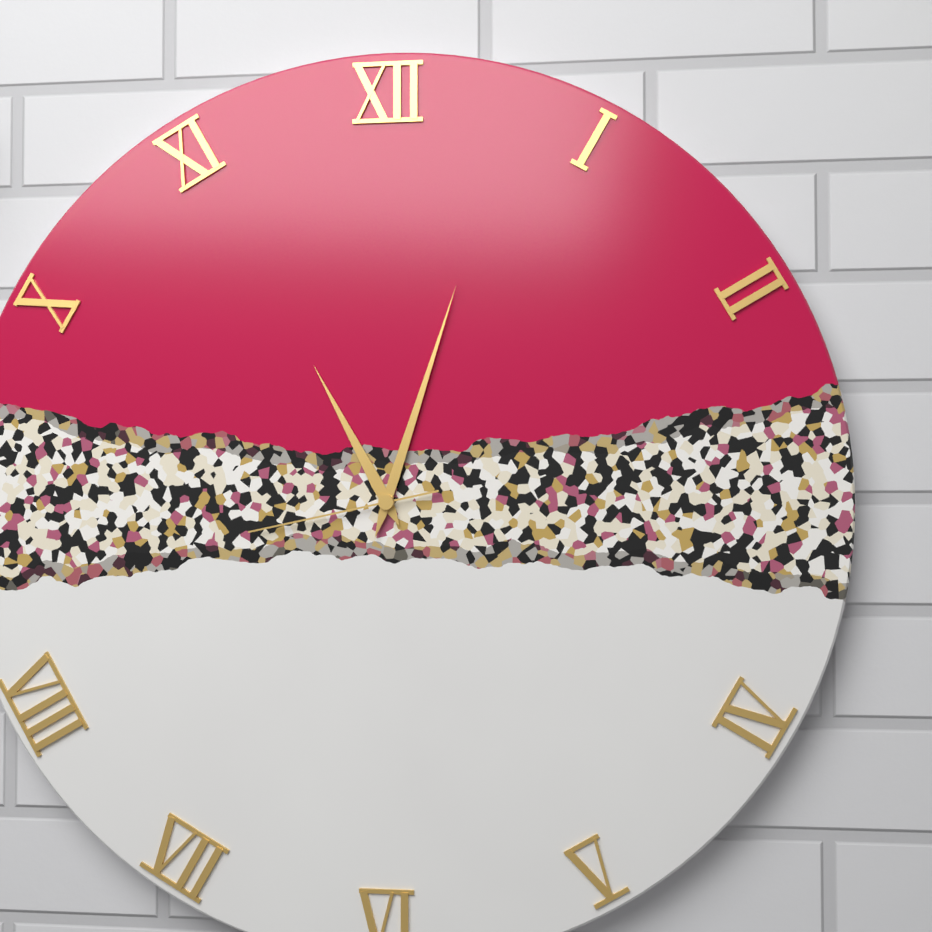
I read {"hour": 11, "minute": 3, "second": 43}
